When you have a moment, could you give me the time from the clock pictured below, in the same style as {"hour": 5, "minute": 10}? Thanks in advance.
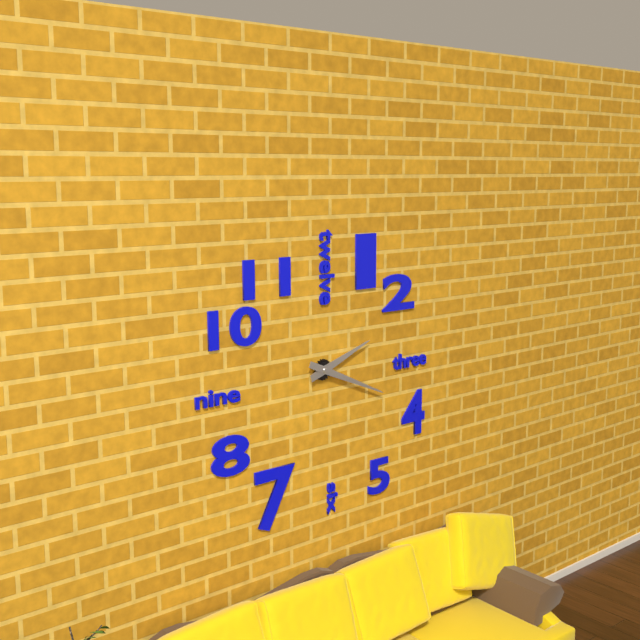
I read {"hour": 2, "minute": 19}
